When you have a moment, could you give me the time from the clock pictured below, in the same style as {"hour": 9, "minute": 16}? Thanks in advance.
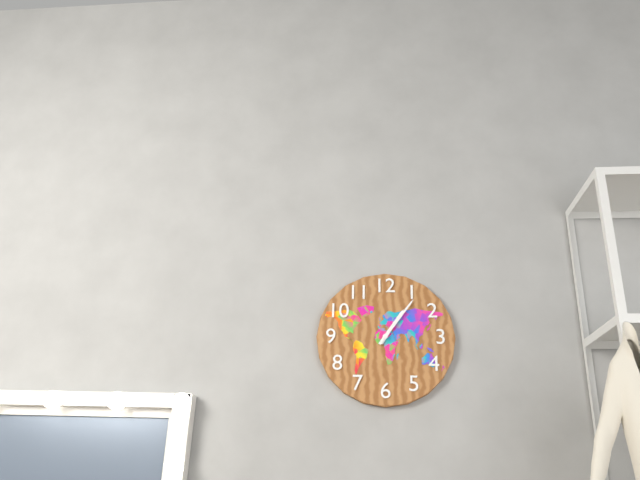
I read {"hour": 1, "minute": 6}
